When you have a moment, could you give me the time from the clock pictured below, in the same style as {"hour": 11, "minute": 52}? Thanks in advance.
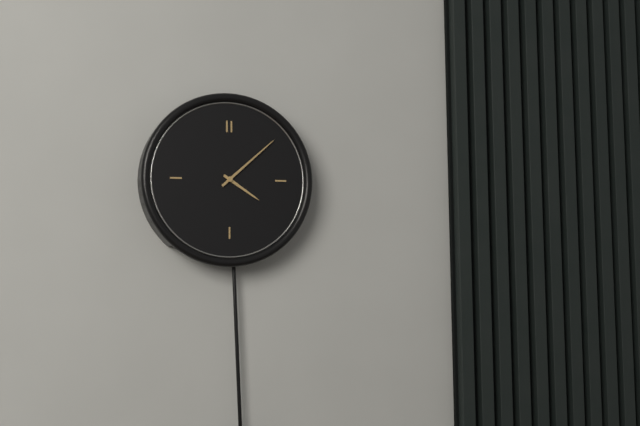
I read {"hour": 4, "minute": 8}
